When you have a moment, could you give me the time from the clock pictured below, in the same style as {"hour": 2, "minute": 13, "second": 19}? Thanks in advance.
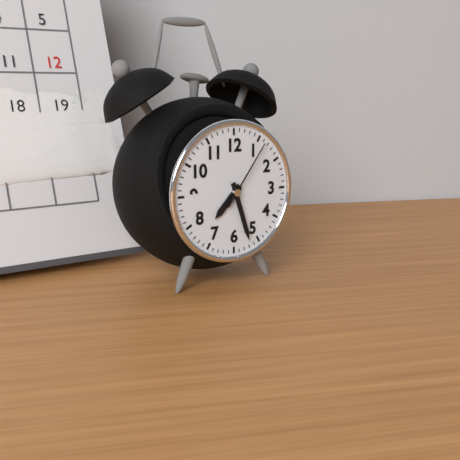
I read {"hour": 7, "minute": 27, "second": 6}
